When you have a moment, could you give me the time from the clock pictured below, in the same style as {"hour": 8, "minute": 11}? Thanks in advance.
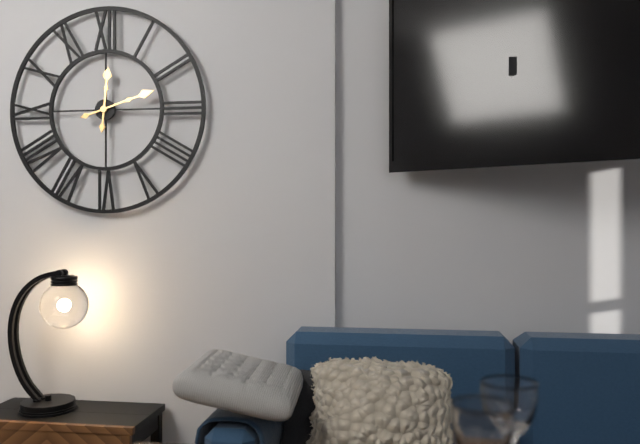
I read {"hour": 12, "minute": 12}
